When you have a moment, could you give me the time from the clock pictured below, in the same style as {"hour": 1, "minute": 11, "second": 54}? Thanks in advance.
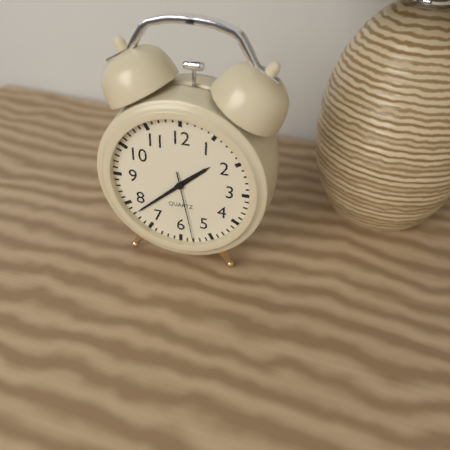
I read {"hour": 1, "minute": 38, "second": 28}
